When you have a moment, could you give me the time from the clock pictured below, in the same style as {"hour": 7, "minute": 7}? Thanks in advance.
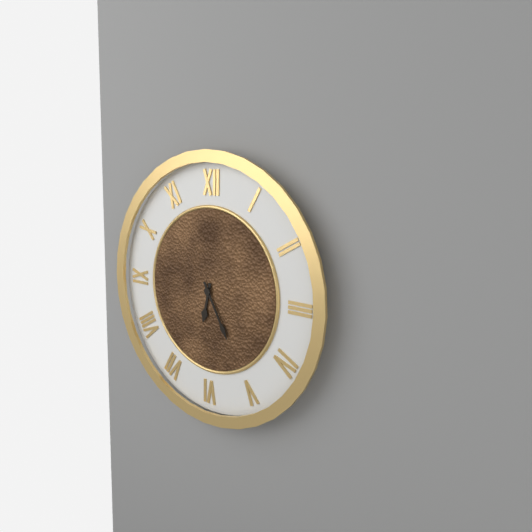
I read {"hour": 6, "minute": 25}
